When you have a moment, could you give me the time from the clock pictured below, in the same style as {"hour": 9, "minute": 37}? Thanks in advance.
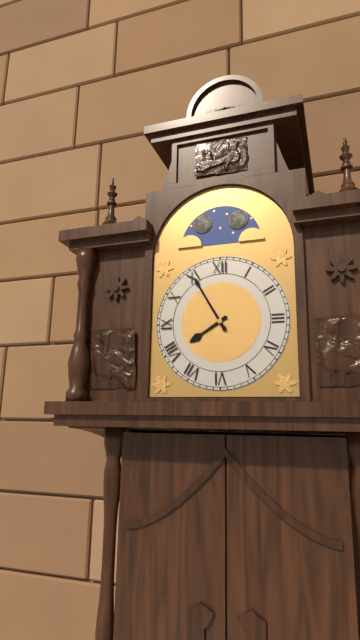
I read {"hour": 7, "minute": 55}
